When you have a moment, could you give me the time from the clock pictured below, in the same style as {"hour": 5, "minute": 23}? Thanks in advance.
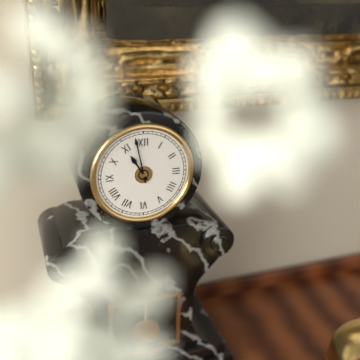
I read {"hour": 10, "minute": 58}
